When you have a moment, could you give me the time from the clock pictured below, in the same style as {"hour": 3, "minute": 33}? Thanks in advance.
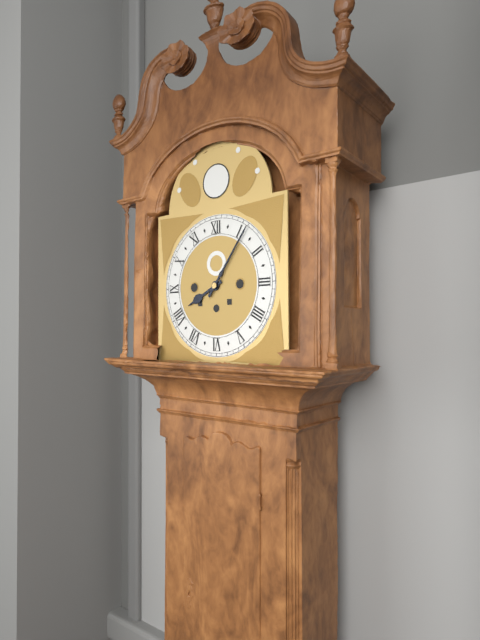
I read {"hour": 8, "minute": 6}
